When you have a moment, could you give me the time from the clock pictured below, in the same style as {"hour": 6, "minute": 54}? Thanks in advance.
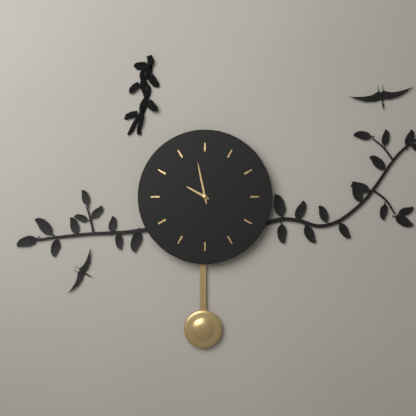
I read {"hour": 9, "minute": 58}
